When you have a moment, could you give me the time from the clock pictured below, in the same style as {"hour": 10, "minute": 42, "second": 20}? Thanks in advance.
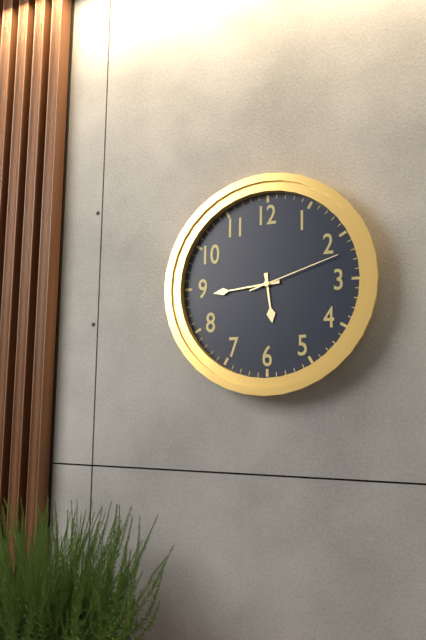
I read {"hour": 5, "minute": 44, "second": 12}
